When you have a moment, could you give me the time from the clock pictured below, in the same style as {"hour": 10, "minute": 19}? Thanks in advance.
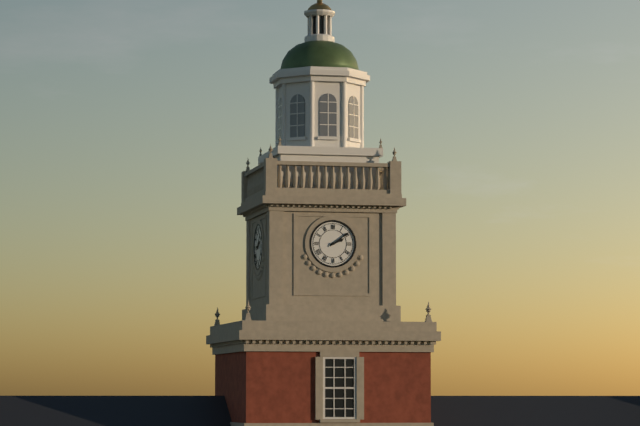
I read {"hour": 2, "minute": 9}
